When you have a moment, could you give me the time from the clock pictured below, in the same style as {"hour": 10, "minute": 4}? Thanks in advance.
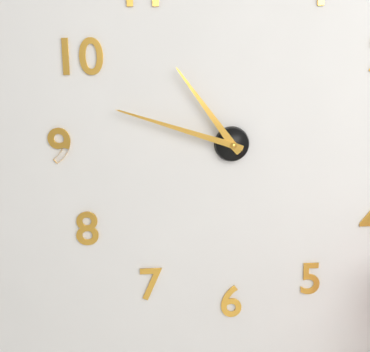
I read {"hour": 10, "minute": 48}
